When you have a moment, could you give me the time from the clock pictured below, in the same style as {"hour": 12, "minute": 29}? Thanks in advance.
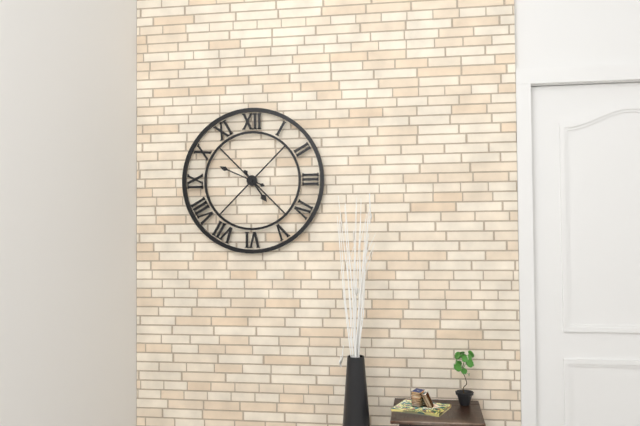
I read {"hour": 4, "minute": 49}
